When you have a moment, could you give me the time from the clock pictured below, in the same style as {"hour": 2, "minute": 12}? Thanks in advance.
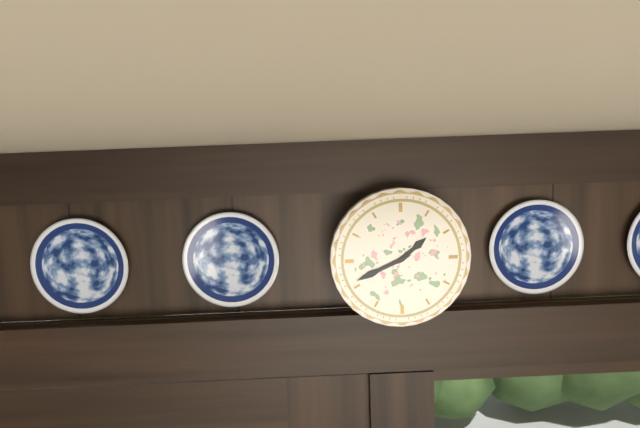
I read {"hour": 1, "minute": 41}
